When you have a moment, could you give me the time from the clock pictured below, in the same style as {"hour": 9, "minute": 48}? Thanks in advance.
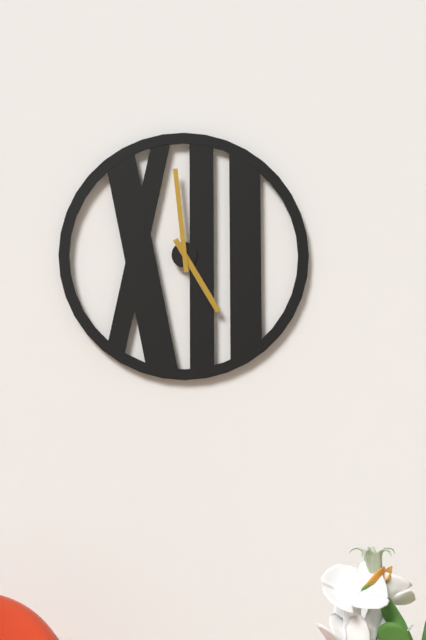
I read {"hour": 4, "minute": 59}
